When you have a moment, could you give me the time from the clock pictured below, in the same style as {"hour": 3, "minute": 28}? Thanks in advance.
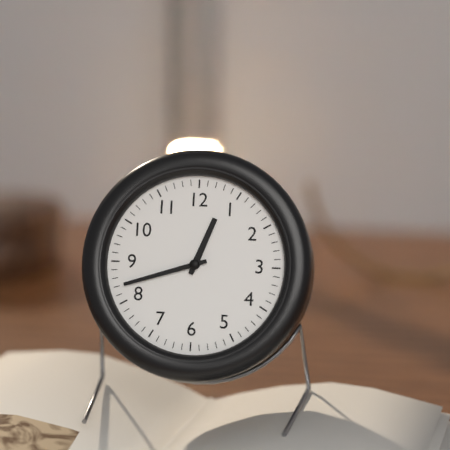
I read {"hour": 12, "minute": 42}
